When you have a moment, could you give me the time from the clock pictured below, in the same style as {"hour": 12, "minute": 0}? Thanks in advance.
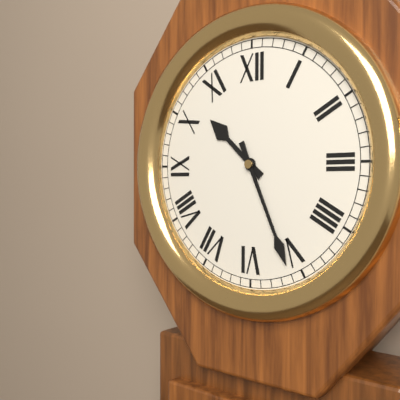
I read {"hour": 10, "minute": 26}
